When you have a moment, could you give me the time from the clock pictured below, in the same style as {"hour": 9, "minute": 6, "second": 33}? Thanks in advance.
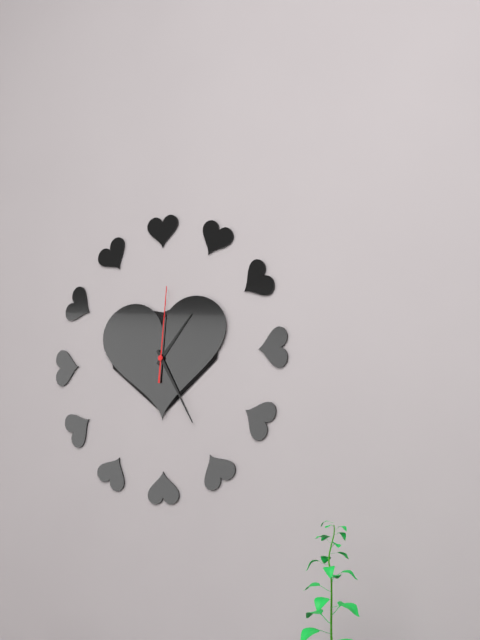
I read {"hour": 1, "minute": 25, "second": 1}
